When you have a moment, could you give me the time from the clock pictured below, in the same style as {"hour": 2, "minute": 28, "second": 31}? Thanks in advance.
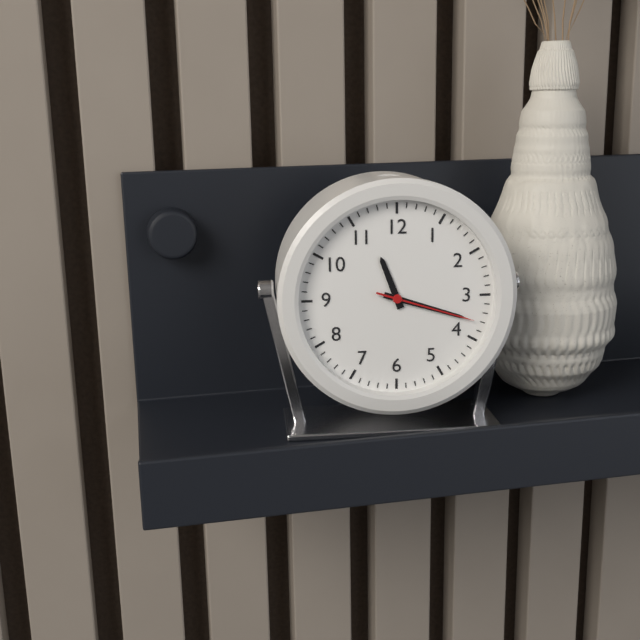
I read {"hour": 11, "minute": 18, "second": 18}
